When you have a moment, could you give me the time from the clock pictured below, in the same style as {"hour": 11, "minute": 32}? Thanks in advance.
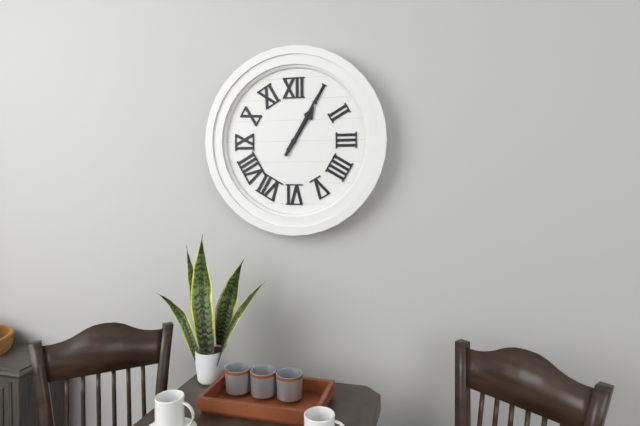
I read {"hour": 1, "minute": 5}
